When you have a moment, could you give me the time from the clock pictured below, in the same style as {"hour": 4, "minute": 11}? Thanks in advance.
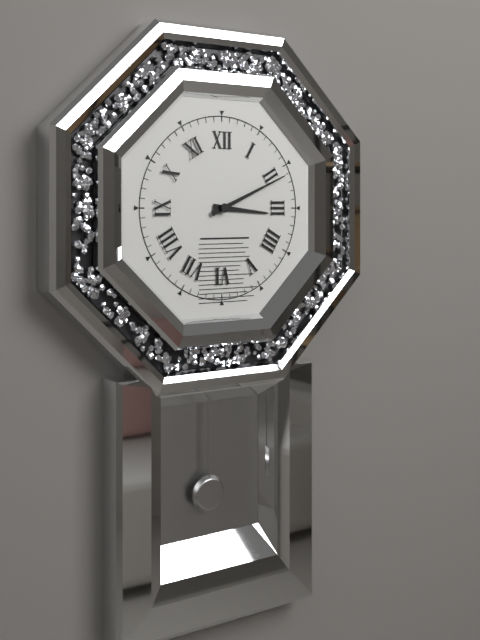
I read {"hour": 3, "minute": 11}
